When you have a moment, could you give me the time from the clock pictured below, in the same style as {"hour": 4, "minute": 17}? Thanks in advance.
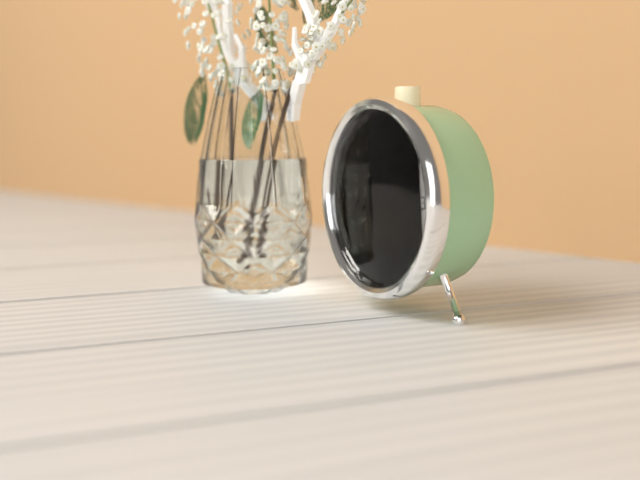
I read {"hour": 3, "minute": 11}
